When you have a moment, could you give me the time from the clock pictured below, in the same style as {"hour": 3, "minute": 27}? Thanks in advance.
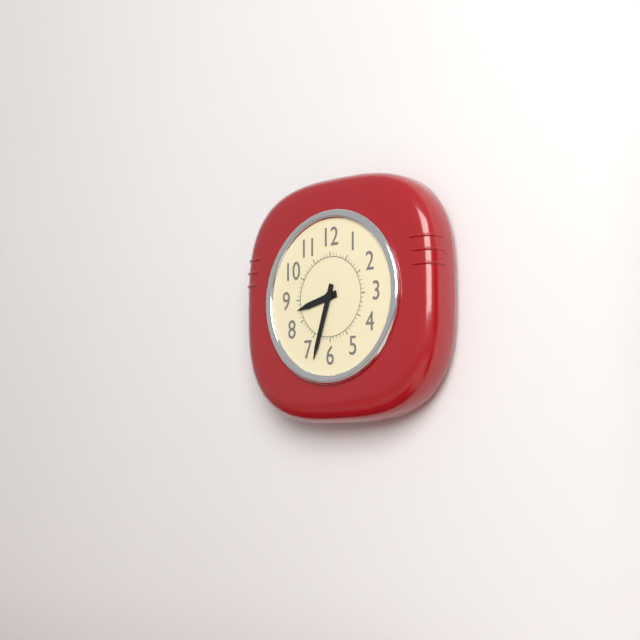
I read {"hour": 8, "minute": 33}
